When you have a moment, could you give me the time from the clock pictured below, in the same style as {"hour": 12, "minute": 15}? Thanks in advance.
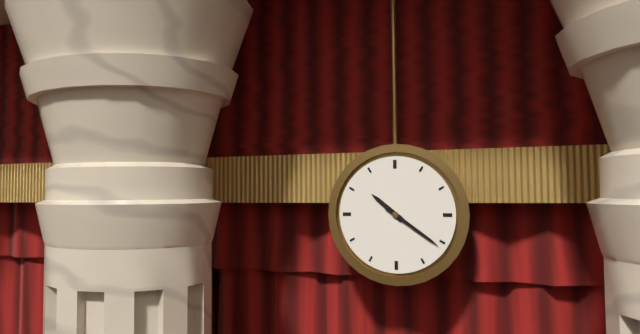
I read {"hour": 10, "minute": 21}
